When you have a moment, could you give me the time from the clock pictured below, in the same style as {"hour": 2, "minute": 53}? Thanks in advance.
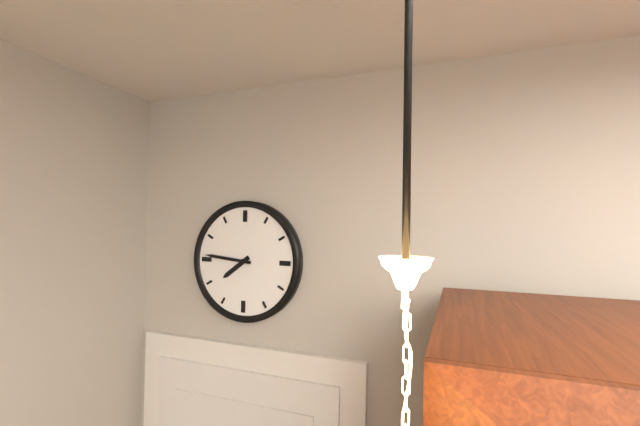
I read {"hour": 7, "minute": 46}
